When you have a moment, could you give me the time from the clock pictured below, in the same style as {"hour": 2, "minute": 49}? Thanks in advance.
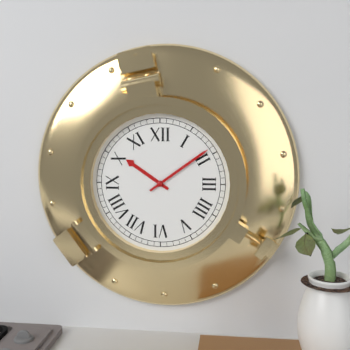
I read {"hour": 10, "minute": 9}
